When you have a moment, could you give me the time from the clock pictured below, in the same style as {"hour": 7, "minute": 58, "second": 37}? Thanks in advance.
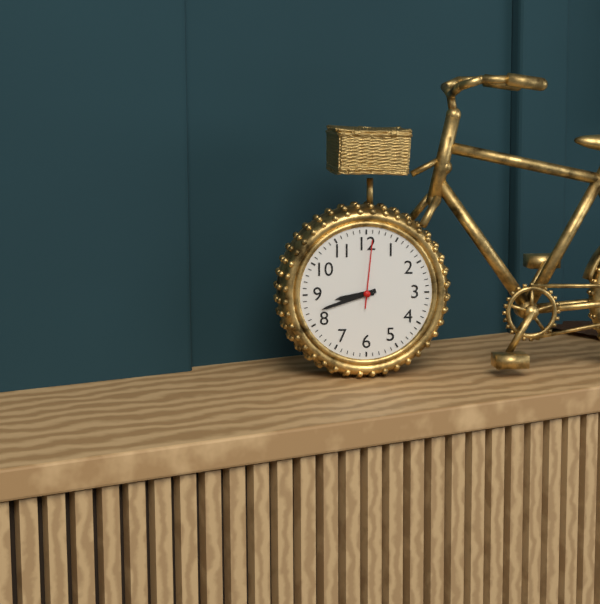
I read {"hour": 8, "minute": 42, "second": 1}
